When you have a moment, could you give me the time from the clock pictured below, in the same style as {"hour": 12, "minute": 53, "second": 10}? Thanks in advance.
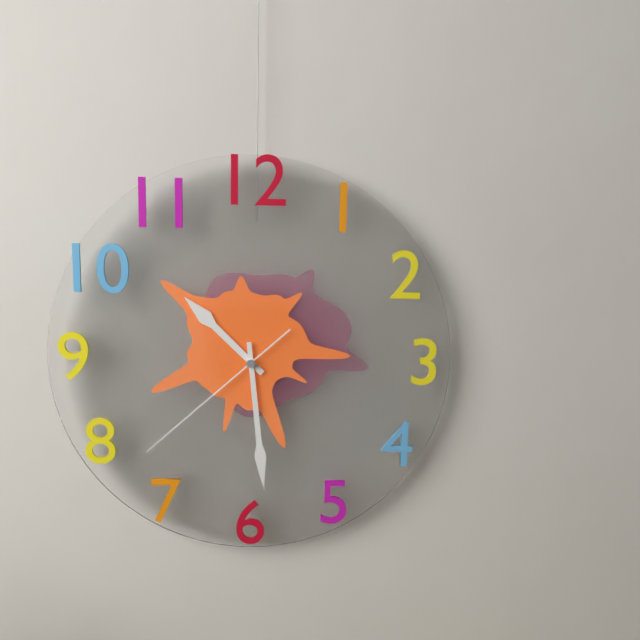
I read {"hour": 10, "minute": 29, "second": 38}
